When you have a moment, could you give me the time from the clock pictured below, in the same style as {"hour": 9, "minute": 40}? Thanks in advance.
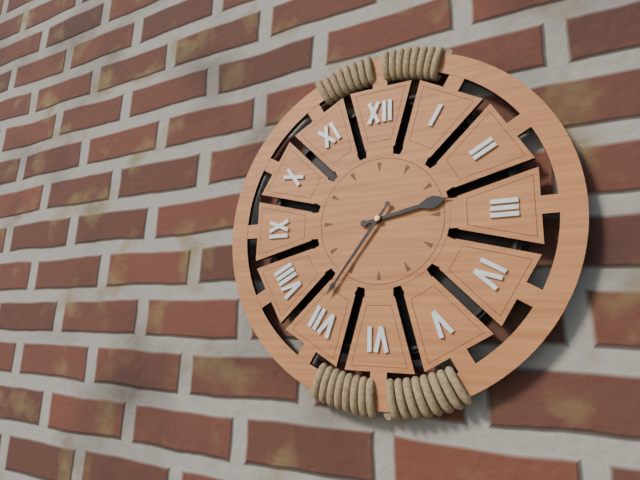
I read {"hour": 2, "minute": 36}
